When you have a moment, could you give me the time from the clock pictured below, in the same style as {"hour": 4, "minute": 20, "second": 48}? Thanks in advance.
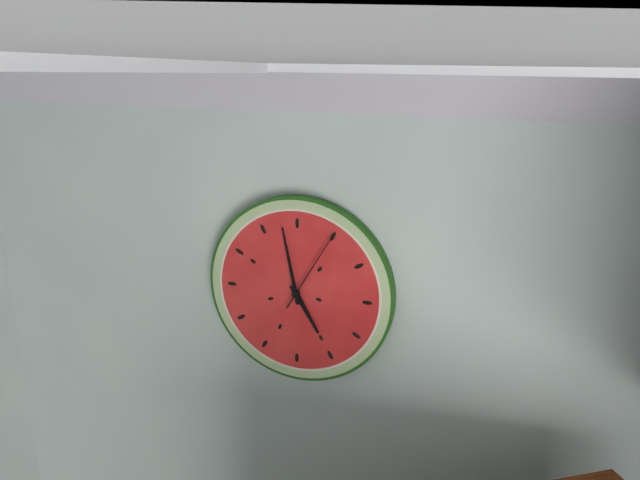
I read {"hour": 4, "minute": 58, "second": 5}
